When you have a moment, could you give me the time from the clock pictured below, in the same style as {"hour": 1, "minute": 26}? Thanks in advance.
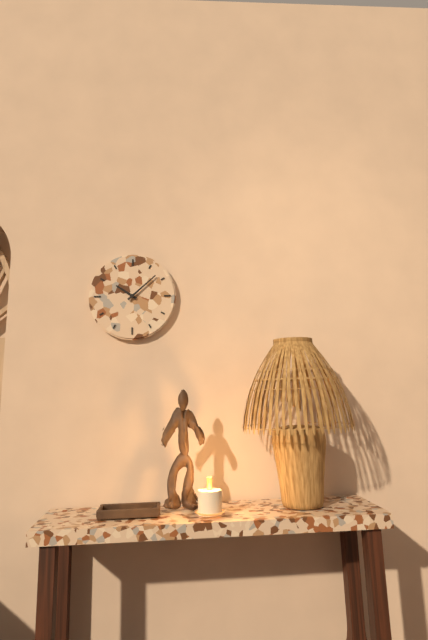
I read {"hour": 10, "minute": 8}
